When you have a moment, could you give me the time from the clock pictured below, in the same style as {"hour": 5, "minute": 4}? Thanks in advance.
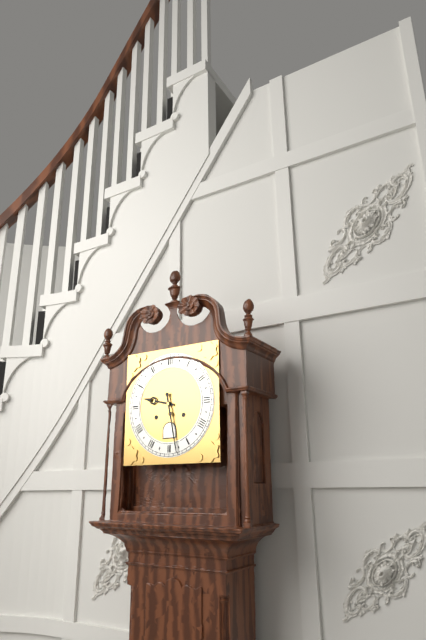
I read {"hour": 9, "minute": 28}
